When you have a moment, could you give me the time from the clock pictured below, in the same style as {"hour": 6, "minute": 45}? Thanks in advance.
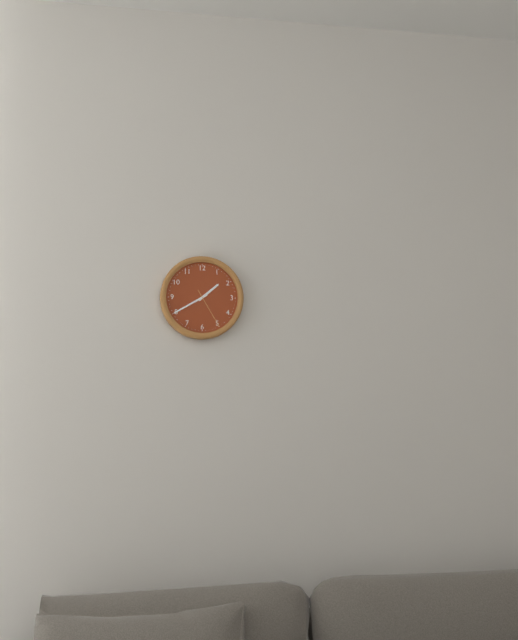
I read {"hour": 1, "minute": 40}
